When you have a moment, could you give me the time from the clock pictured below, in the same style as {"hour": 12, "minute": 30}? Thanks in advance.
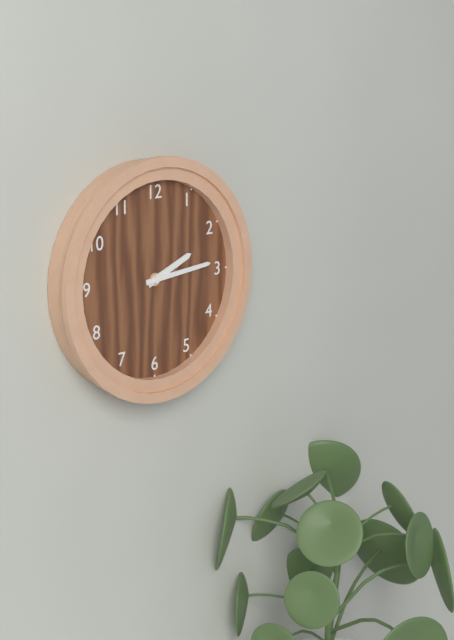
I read {"hour": 2, "minute": 14}
